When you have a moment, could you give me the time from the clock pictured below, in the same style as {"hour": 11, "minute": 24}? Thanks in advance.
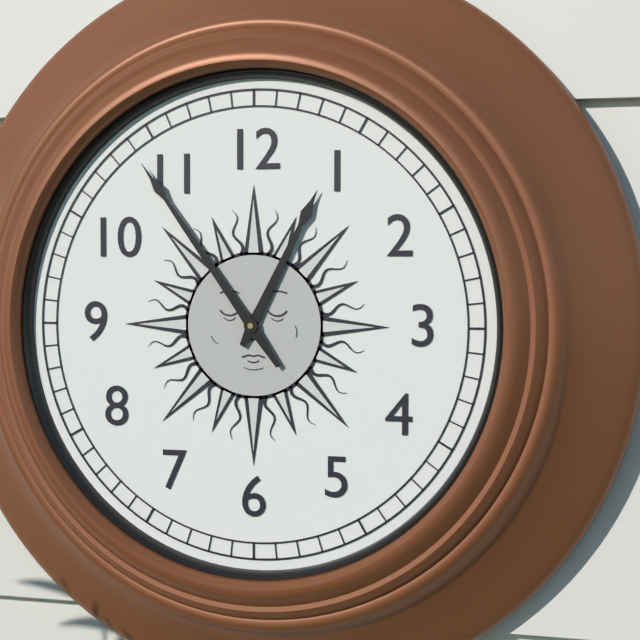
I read {"hour": 12, "minute": 54}
